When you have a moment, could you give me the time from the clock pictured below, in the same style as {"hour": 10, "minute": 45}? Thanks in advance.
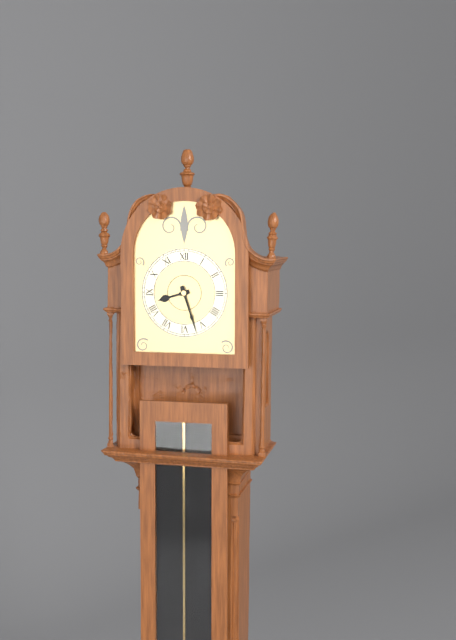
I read {"hour": 8, "minute": 27}
